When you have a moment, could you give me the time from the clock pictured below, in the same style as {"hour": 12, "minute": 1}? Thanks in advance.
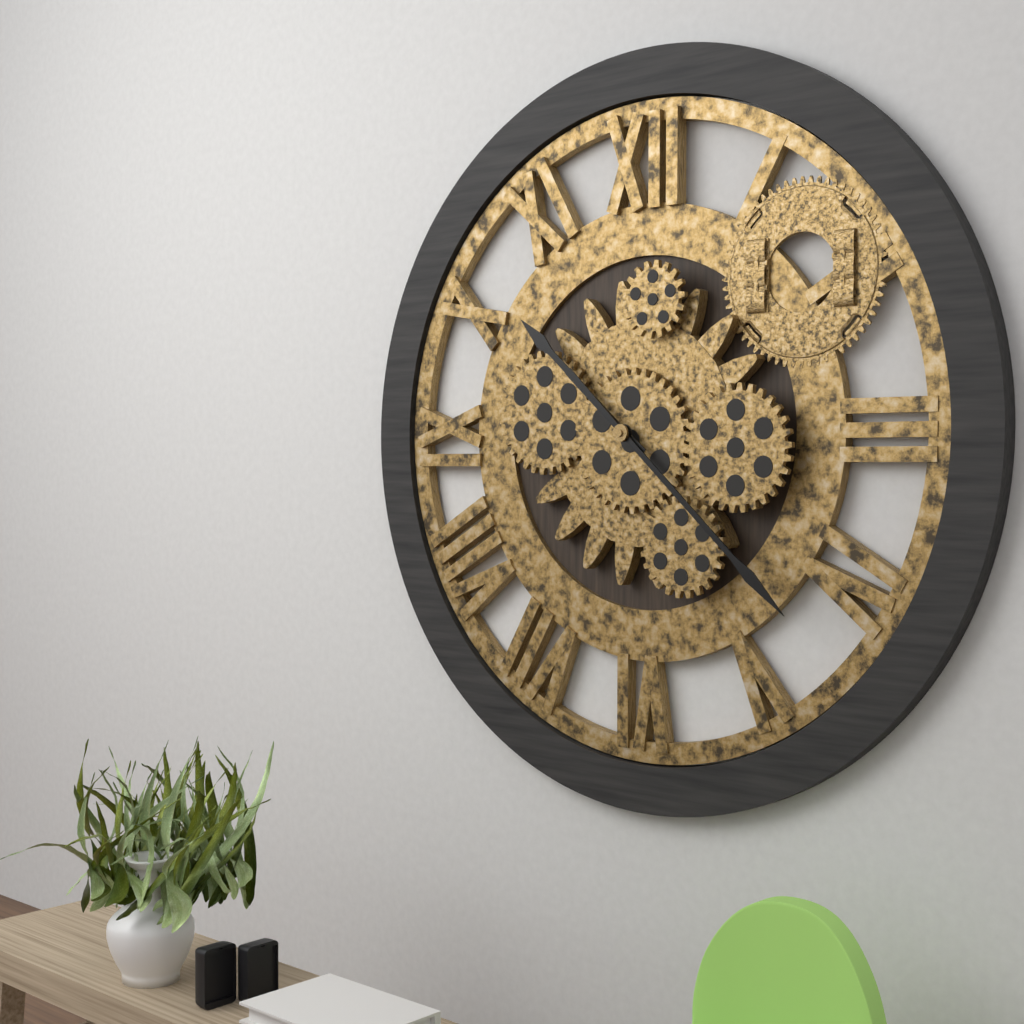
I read {"hour": 10, "minute": 22}
